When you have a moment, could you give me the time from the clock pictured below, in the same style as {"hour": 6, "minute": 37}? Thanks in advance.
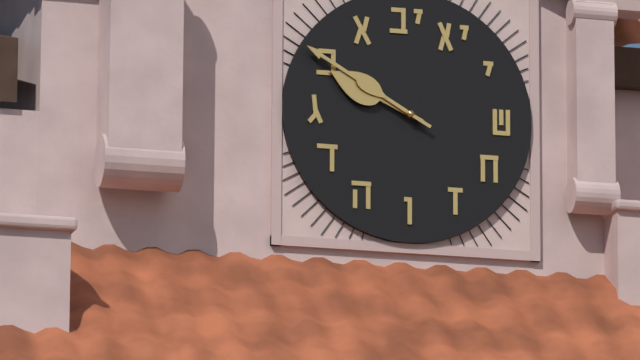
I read {"hour": 9, "minute": 50}
